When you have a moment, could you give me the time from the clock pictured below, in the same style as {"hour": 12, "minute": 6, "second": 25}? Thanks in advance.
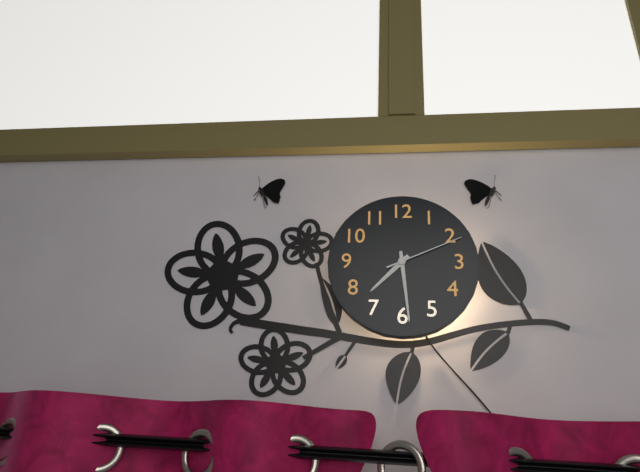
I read {"hour": 7, "minute": 29, "second": 11}
